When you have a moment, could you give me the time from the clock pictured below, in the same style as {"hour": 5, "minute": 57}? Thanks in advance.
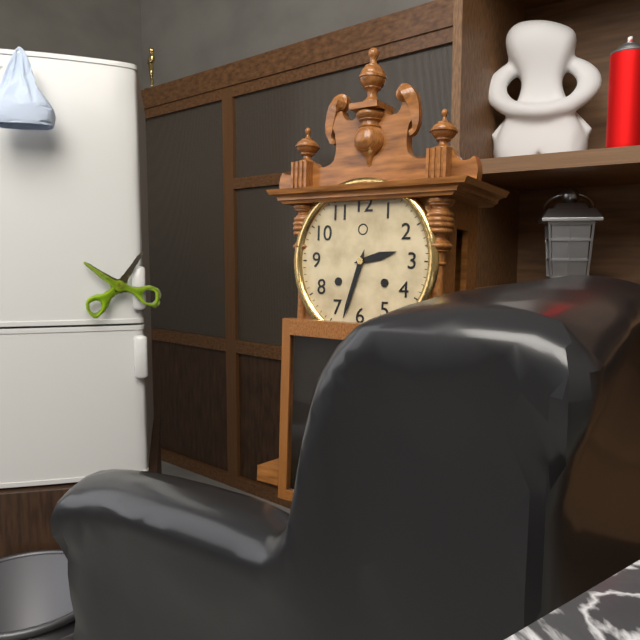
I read {"hour": 2, "minute": 33}
